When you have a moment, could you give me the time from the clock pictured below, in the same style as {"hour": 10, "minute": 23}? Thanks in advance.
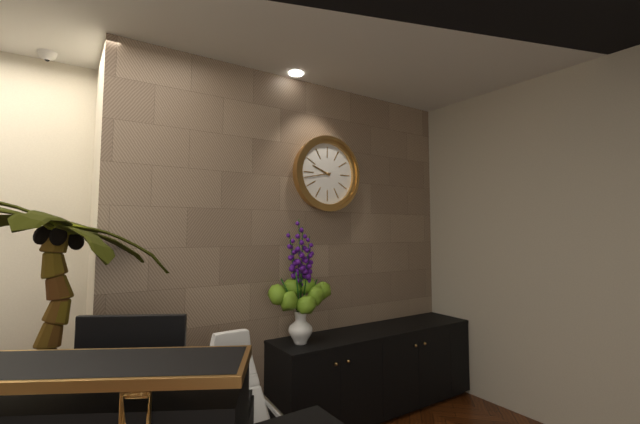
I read {"hour": 9, "minute": 43}
